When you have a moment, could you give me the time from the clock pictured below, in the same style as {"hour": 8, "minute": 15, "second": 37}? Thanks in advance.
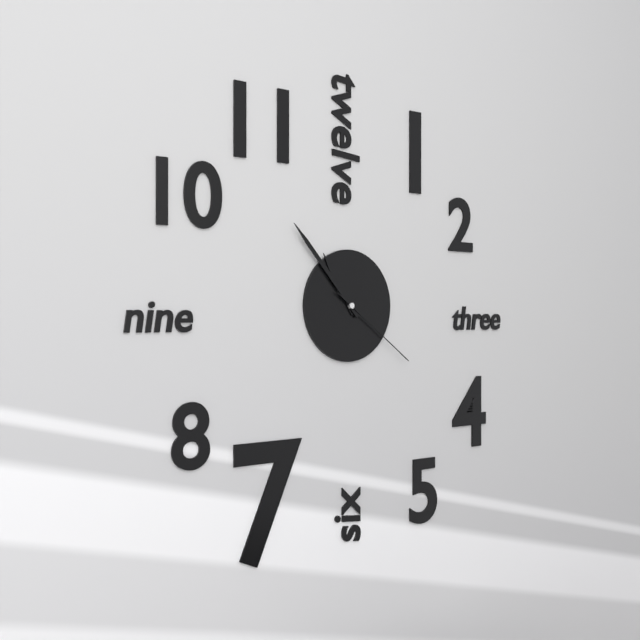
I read {"hour": 10, "minute": 53, "second": 21}
